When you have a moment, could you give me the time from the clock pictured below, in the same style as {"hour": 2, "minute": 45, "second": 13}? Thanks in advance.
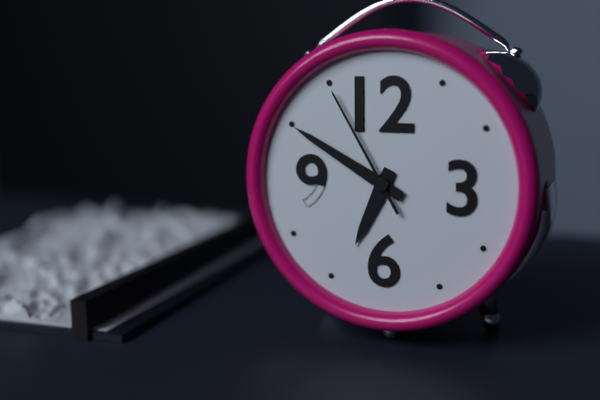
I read {"hour": 6, "minute": 50, "second": 55}
